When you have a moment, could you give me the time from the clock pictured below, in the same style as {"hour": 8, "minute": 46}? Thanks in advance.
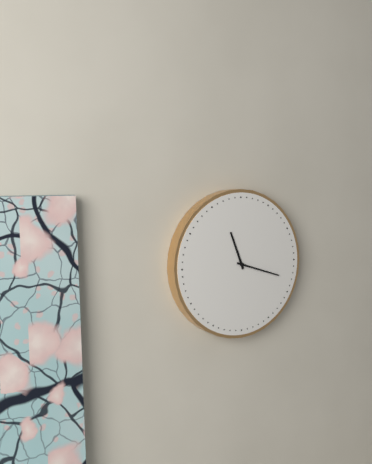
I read {"hour": 11, "minute": 18}
